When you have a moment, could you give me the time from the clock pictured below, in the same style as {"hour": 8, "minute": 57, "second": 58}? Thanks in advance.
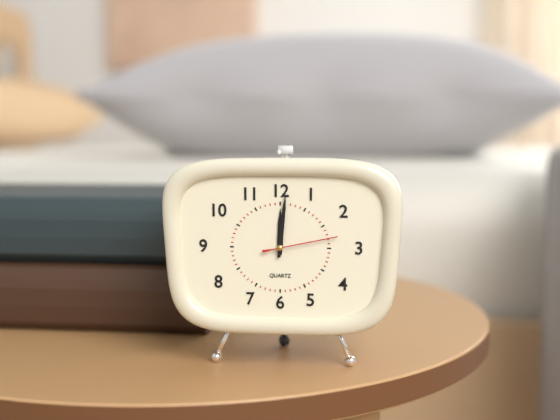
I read {"hour": 12, "minute": 1, "second": 13}
